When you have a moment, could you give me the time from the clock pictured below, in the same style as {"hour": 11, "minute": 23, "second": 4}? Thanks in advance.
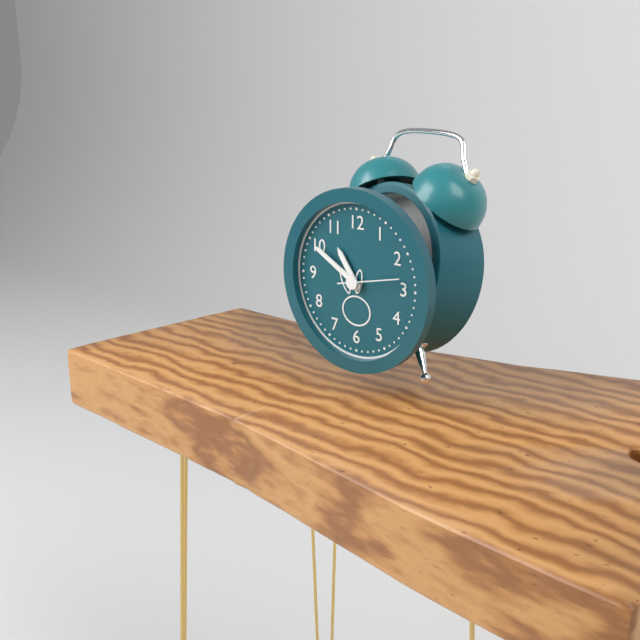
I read {"hour": 10, "minute": 50, "second": 13}
